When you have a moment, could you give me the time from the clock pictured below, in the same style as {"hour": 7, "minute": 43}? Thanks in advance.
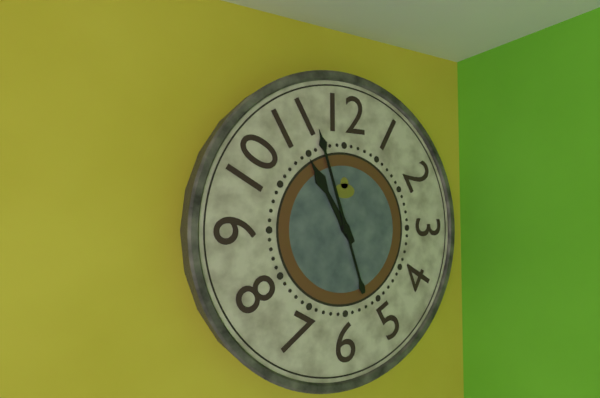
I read {"hour": 10, "minute": 57}
